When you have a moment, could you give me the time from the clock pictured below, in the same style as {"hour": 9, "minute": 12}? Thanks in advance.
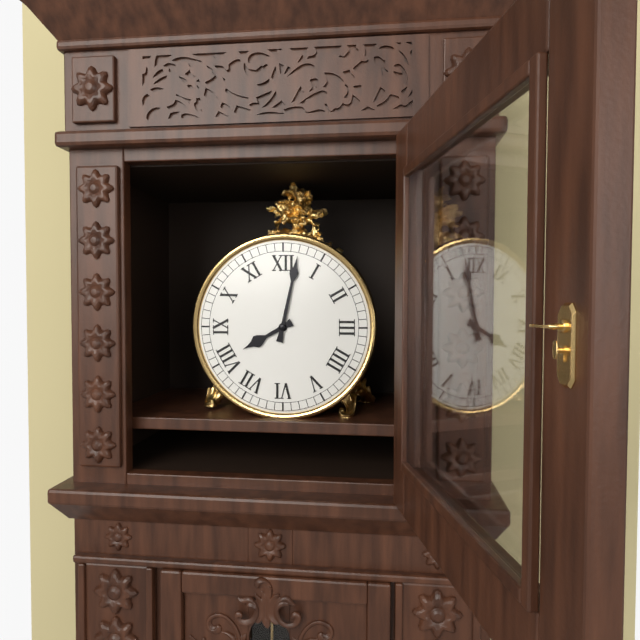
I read {"hour": 8, "minute": 2}
